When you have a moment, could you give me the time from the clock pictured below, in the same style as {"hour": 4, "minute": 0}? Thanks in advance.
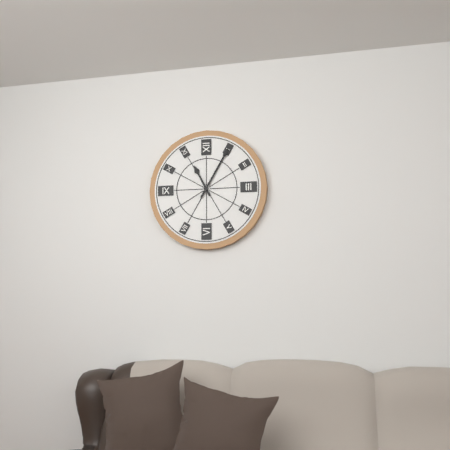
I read {"hour": 11, "minute": 5}
